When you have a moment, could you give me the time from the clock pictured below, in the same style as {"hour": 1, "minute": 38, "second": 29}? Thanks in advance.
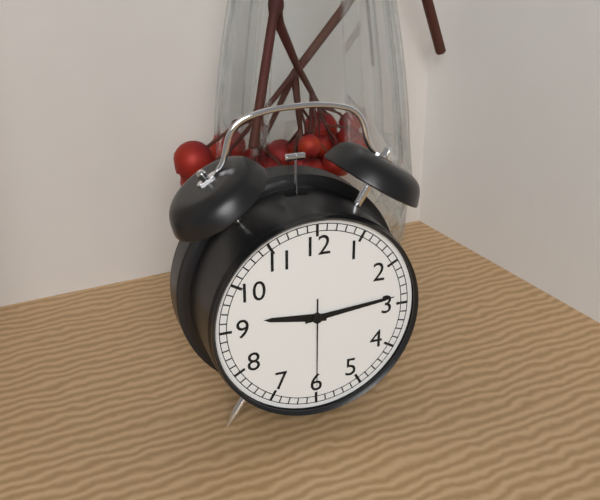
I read {"hour": 9, "minute": 14, "second": 30}
